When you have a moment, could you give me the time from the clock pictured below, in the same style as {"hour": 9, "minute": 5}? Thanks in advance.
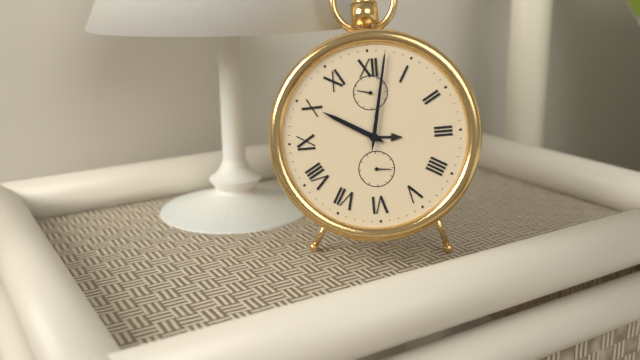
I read {"hour": 10, "minute": 2}
